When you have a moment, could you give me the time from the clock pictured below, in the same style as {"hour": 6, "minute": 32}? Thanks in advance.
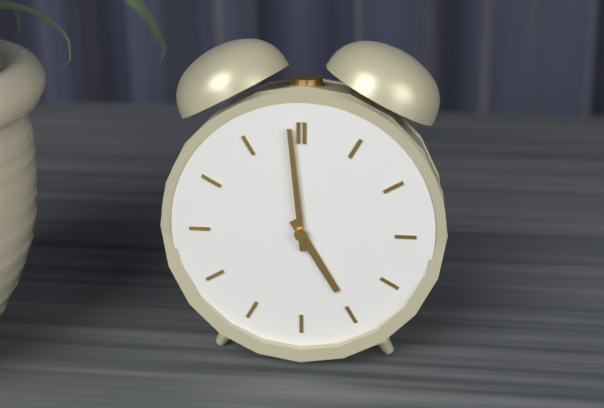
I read {"hour": 4, "minute": 59}
